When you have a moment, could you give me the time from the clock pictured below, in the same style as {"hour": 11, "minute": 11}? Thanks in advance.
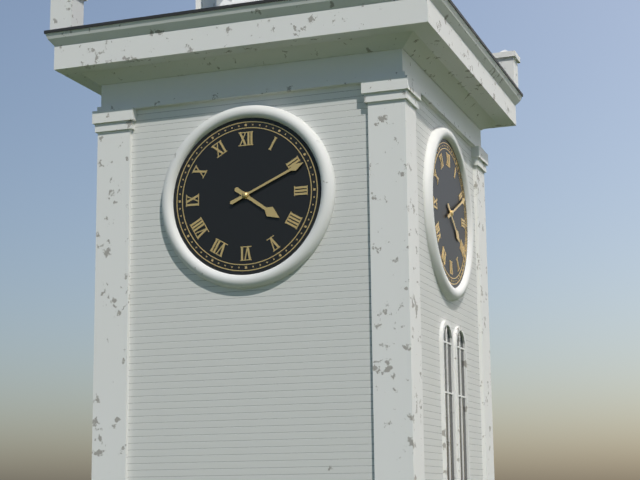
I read {"hour": 4, "minute": 11}
